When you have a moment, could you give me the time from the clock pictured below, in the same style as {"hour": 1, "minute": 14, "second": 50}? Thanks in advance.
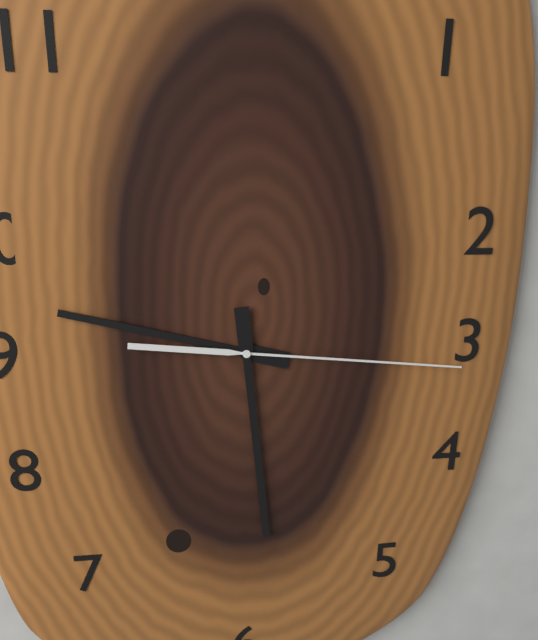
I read {"hour": 9, "minute": 29, "second": 16}
